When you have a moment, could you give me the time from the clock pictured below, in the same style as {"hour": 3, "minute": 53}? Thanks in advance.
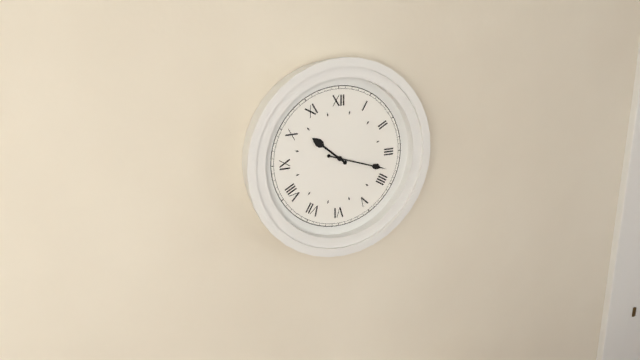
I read {"hour": 10, "minute": 18}
